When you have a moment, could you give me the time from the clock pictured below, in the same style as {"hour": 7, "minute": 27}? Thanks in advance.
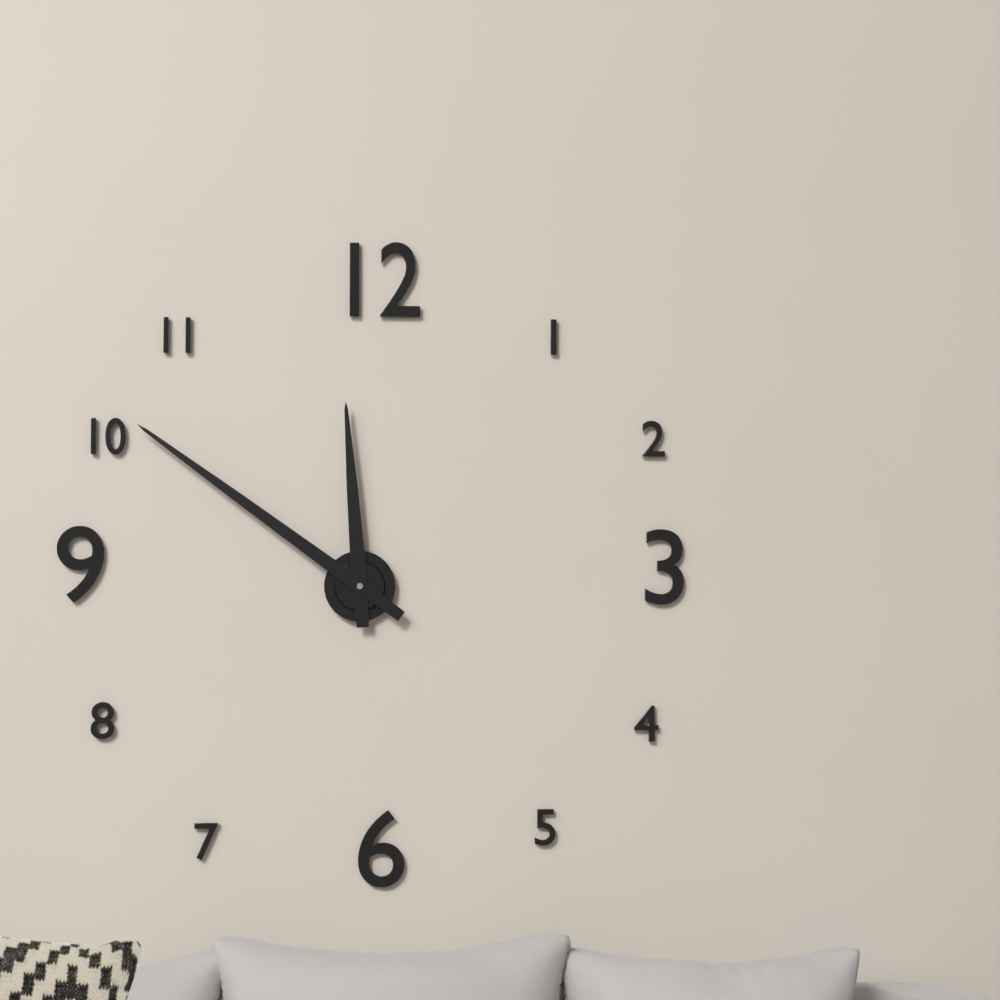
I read {"hour": 11, "minute": 51}
